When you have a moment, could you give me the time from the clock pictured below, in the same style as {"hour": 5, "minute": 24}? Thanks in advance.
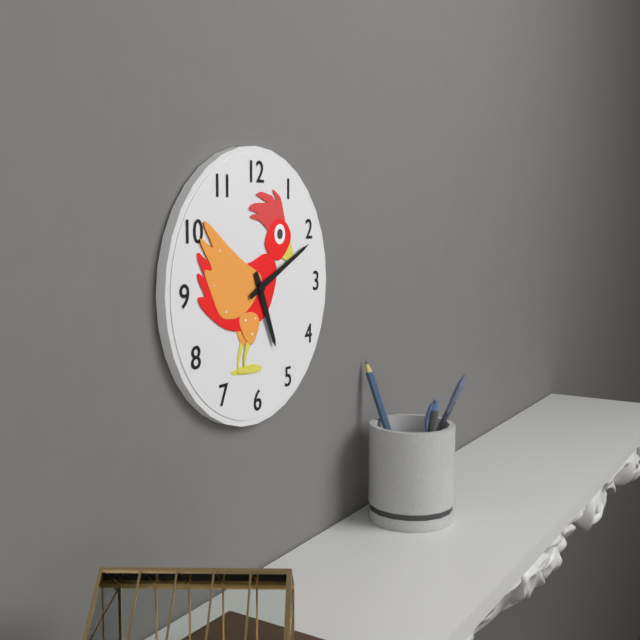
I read {"hour": 5, "minute": 11}
